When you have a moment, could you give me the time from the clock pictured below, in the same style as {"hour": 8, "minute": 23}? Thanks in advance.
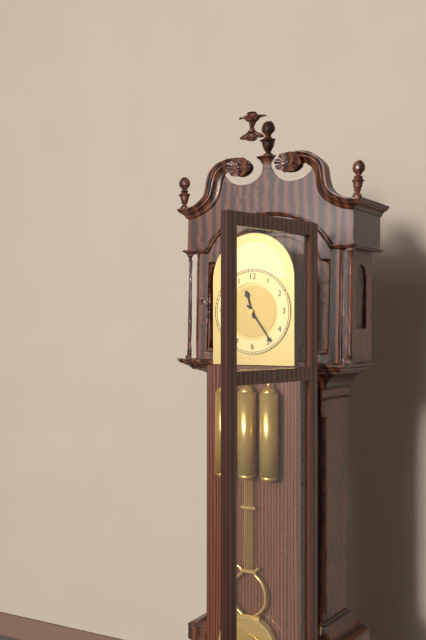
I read {"hour": 11, "minute": 24}
